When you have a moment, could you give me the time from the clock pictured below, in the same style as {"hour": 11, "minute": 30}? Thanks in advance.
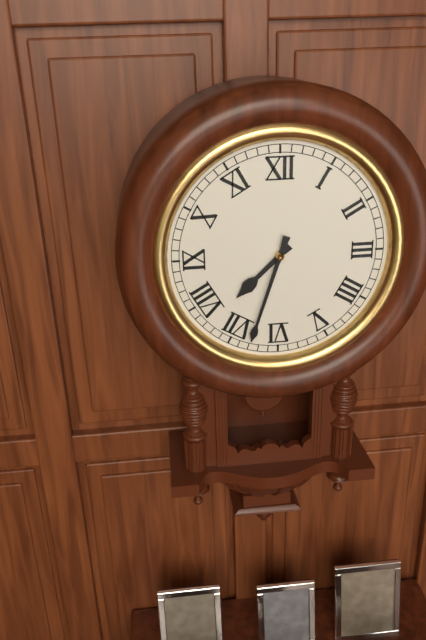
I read {"hour": 7, "minute": 33}
